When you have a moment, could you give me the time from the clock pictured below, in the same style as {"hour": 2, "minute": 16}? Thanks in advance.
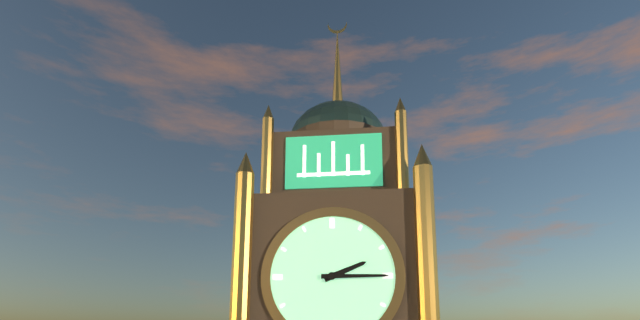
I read {"hour": 2, "minute": 15}
